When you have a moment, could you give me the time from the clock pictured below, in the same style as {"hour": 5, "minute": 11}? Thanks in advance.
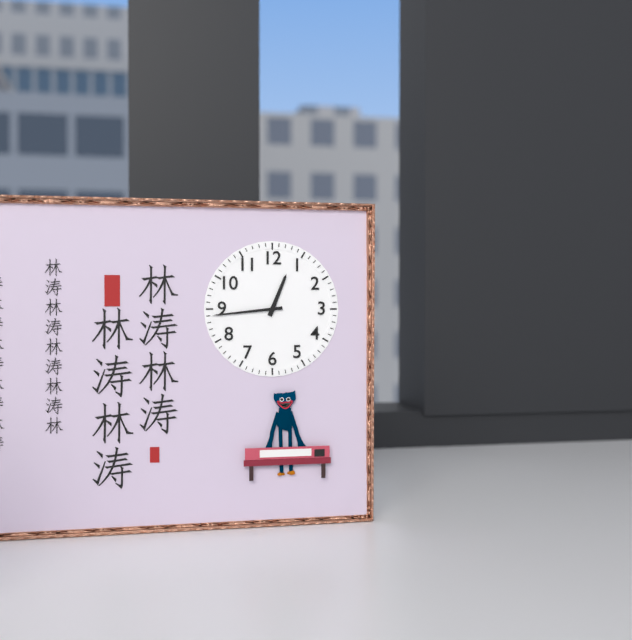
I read {"hour": 12, "minute": 44}
